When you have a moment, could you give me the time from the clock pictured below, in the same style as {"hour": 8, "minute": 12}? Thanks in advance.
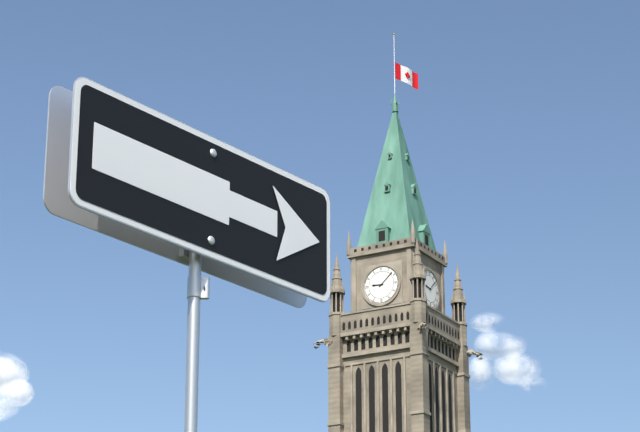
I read {"hour": 9, "minute": 8}
